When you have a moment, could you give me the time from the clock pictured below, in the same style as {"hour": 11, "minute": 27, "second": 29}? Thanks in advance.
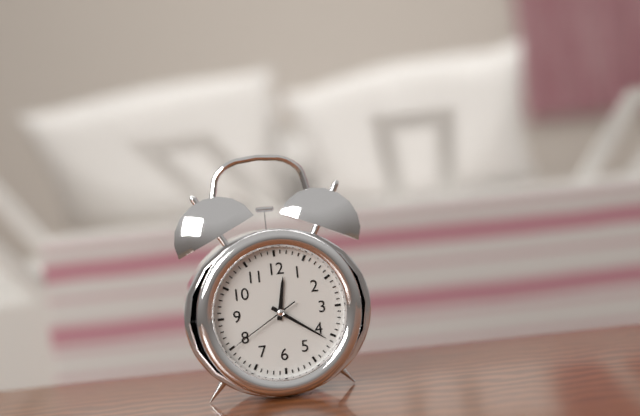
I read {"hour": 12, "minute": 21, "second": 40}
